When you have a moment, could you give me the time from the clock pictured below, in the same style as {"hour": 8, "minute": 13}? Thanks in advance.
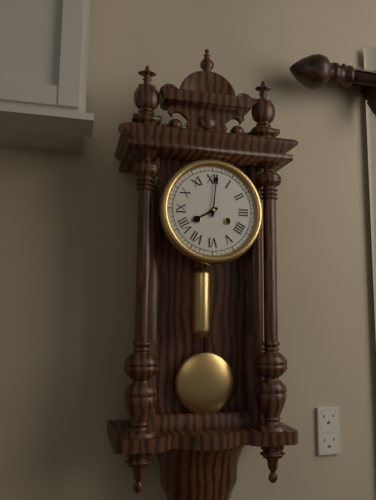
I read {"hour": 8, "minute": 1}
